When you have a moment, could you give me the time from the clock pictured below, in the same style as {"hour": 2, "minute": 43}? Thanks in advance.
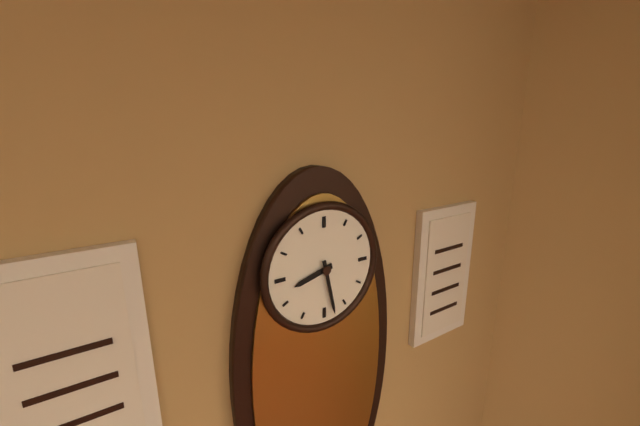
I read {"hour": 8, "minute": 28}
